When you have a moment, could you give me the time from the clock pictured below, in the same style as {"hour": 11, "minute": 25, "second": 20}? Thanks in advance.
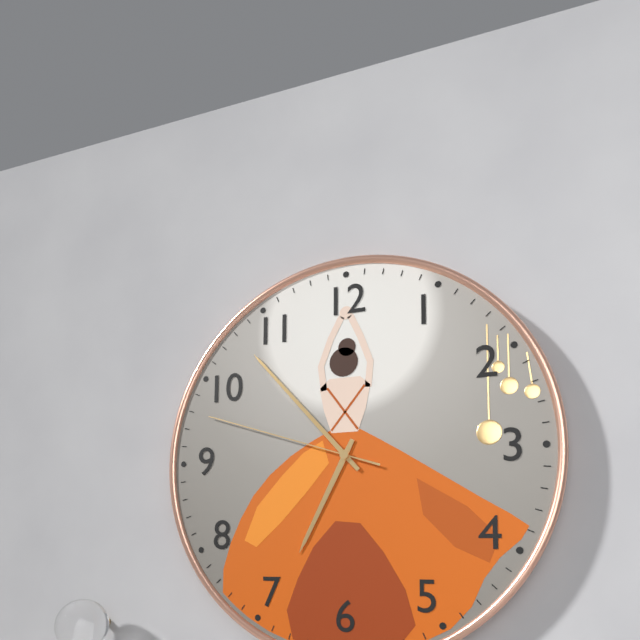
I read {"hour": 6, "minute": 53, "second": 48}
